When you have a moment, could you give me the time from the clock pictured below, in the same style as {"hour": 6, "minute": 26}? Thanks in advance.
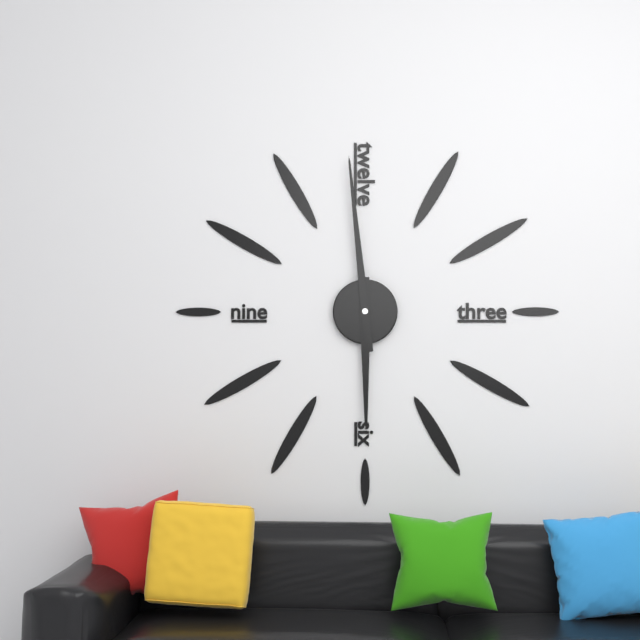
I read {"hour": 5, "minute": 59}
